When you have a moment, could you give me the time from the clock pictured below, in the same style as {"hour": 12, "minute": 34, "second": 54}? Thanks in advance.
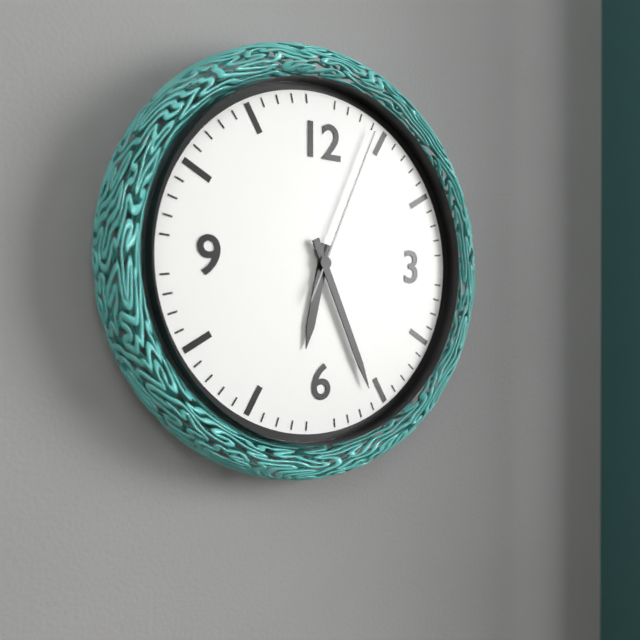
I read {"hour": 6, "minute": 26, "second": 4}
